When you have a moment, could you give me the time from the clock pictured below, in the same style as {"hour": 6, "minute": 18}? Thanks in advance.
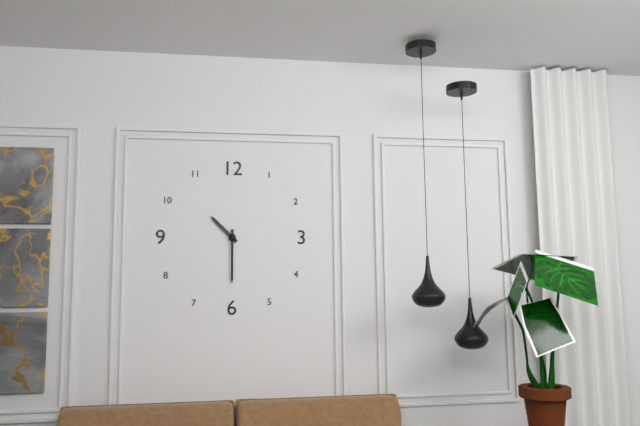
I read {"hour": 10, "minute": 30}
